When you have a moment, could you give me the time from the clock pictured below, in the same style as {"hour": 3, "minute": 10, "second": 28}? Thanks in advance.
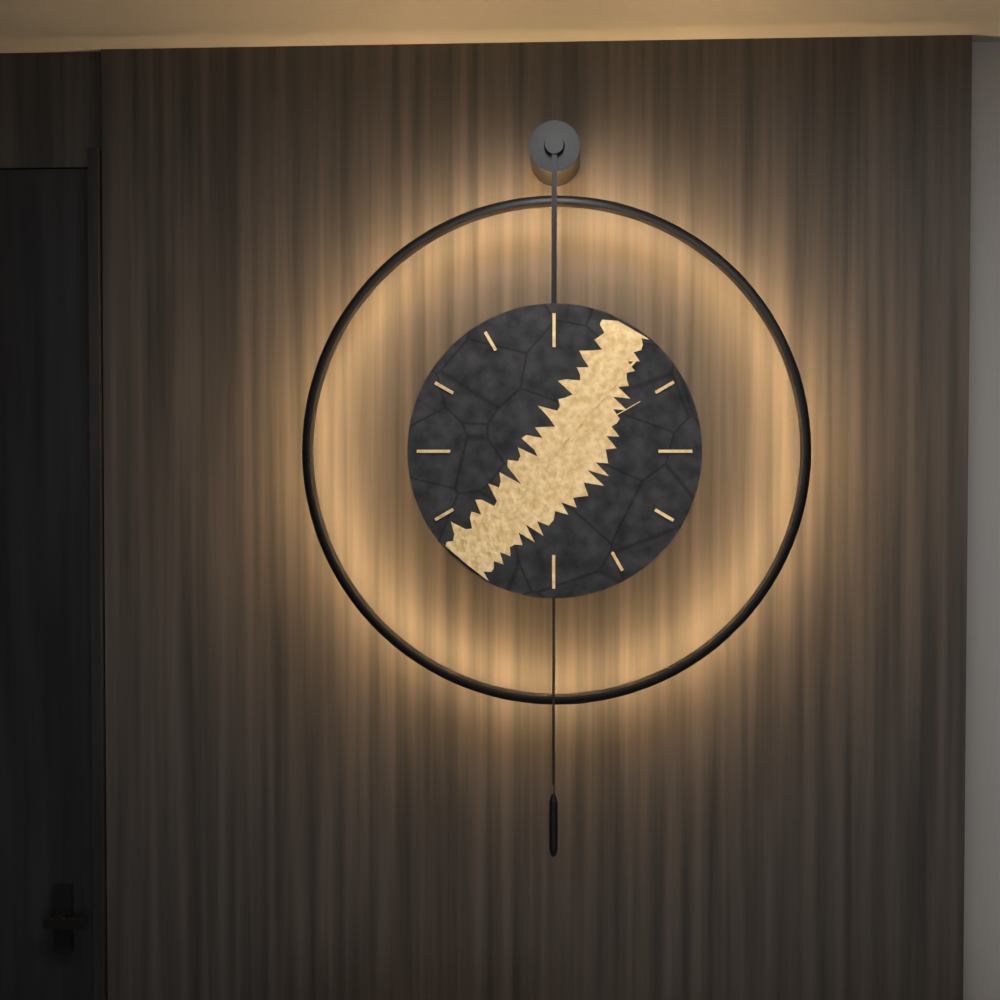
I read {"hour": 7, "minute": 7, "second": 10}
